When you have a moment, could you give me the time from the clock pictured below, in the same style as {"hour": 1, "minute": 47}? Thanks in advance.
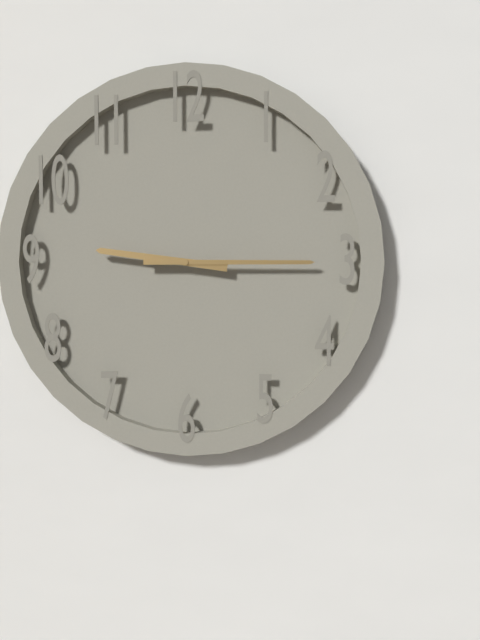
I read {"hour": 9, "minute": 15}
